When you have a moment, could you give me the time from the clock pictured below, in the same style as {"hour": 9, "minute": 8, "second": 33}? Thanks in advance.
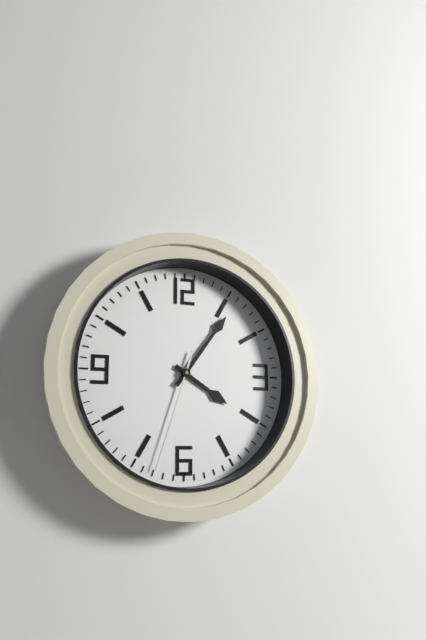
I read {"hour": 4, "minute": 6, "second": 33}
